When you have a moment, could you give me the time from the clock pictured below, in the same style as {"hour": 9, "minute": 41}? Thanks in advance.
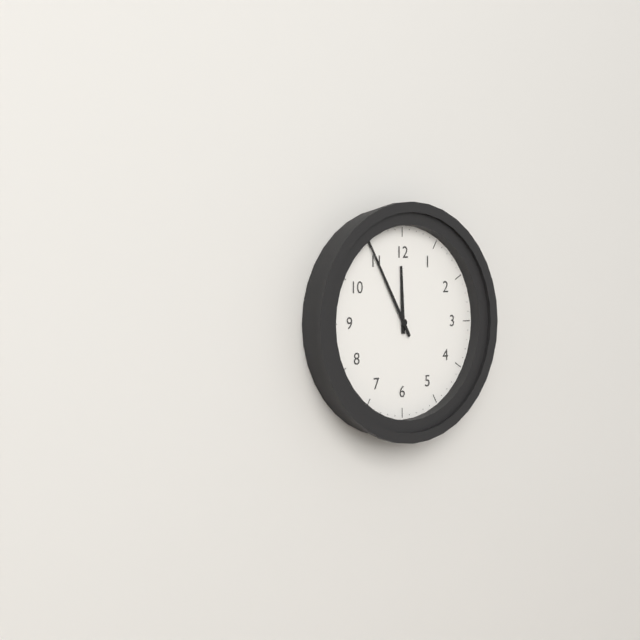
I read {"hour": 11, "minute": 55}
